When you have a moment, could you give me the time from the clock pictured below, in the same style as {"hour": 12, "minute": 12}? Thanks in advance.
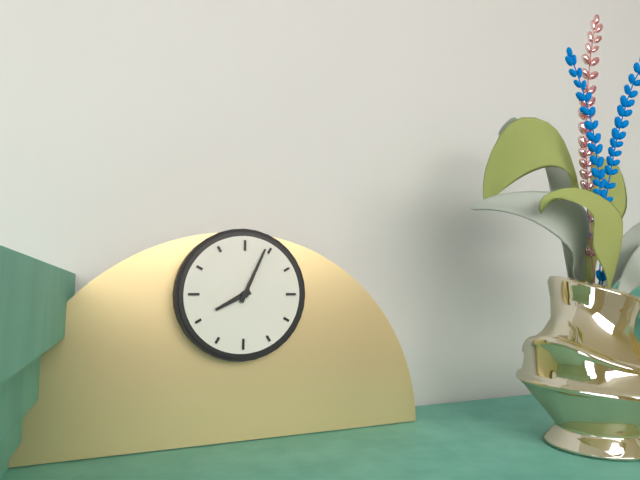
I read {"hour": 8, "minute": 4}
